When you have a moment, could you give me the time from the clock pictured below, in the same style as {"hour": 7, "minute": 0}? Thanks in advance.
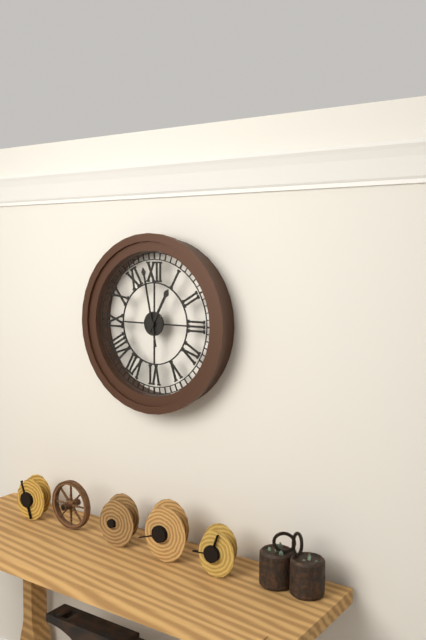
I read {"hour": 12, "minute": 58}
